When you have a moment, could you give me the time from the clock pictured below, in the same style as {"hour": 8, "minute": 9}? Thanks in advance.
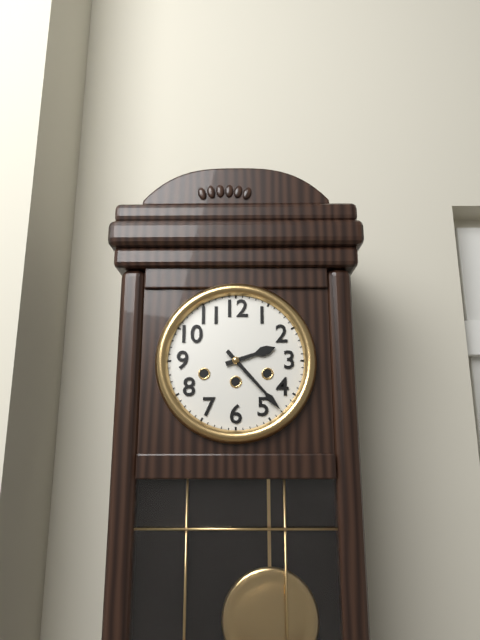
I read {"hour": 2, "minute": 23}
